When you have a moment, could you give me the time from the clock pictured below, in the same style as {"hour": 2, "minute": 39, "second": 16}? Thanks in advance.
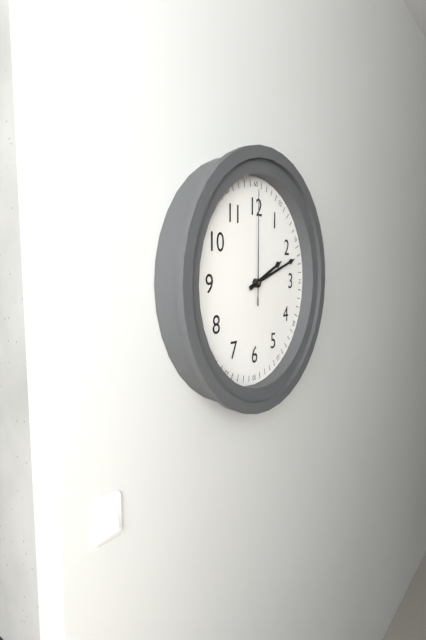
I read {"hour": 2, "minute": 12, "second": 0}
